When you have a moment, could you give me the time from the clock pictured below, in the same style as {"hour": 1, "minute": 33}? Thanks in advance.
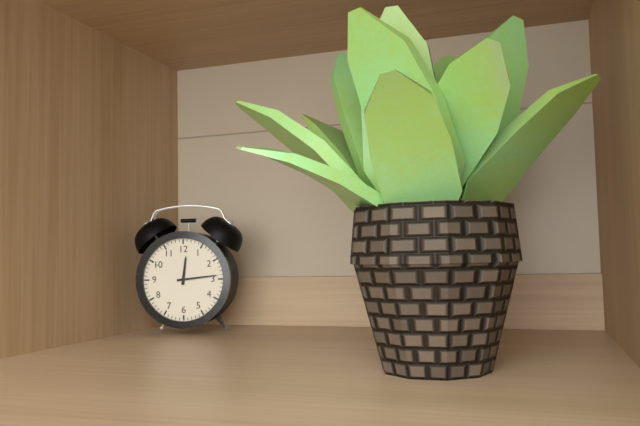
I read {"hour": 12, "minute": 14}
